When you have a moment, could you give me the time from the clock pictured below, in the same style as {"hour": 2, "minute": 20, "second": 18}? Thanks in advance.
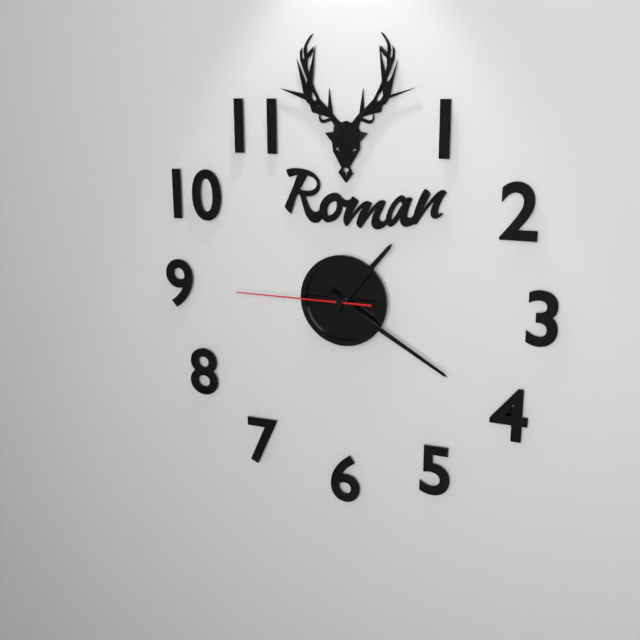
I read {"hour": 1, "minute": 20, "second": 45}
